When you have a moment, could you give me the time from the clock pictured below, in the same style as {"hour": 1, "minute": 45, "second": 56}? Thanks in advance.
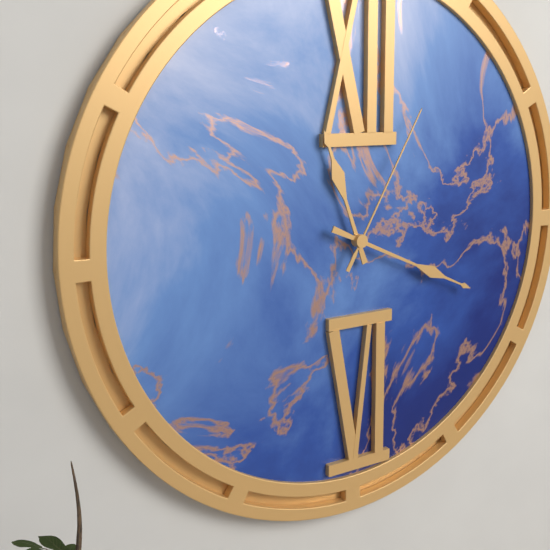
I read {"hour": 11, "minute": 19, "second": 5}
